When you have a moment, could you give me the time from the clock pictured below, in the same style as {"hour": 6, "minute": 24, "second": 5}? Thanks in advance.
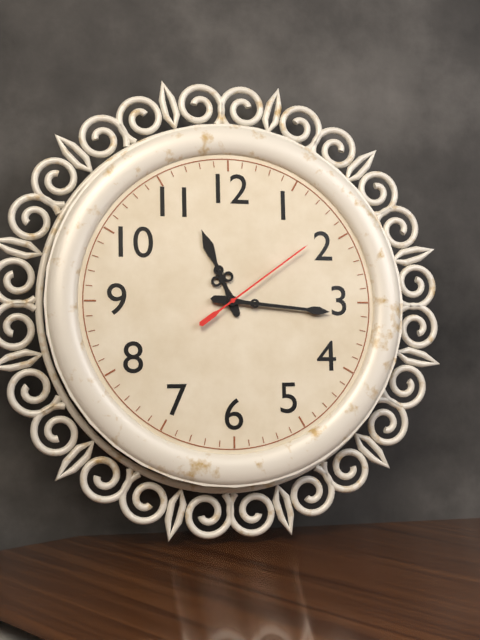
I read {"hour": 11, "minute": 16, "second": 9}
